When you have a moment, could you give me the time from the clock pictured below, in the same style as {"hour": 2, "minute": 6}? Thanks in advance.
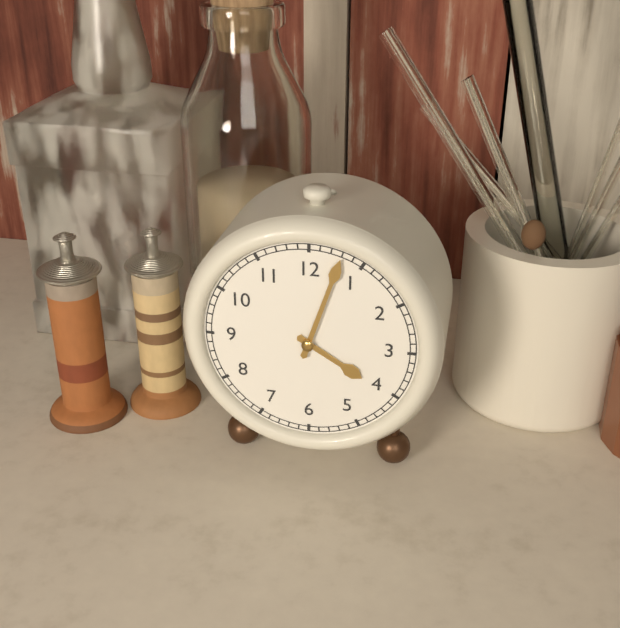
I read {"hour": 4, "minute": 3}
